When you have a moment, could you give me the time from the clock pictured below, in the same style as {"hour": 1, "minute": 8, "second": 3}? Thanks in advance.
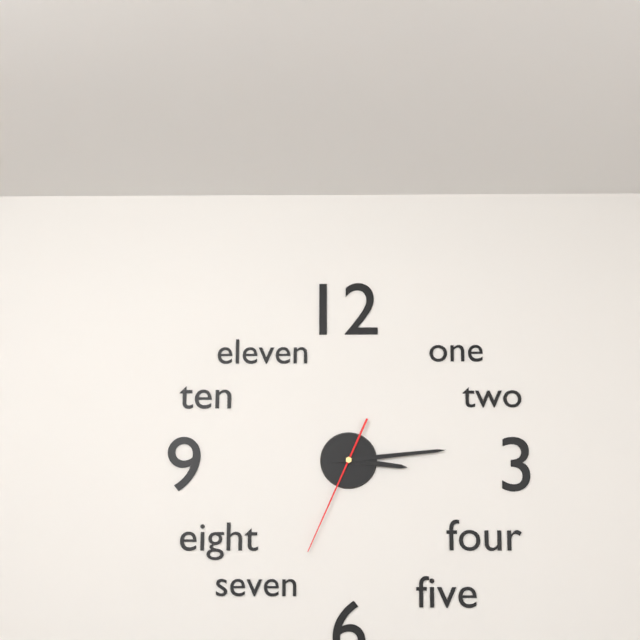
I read {"hour": 3, "minute": 14, "second": 34}
